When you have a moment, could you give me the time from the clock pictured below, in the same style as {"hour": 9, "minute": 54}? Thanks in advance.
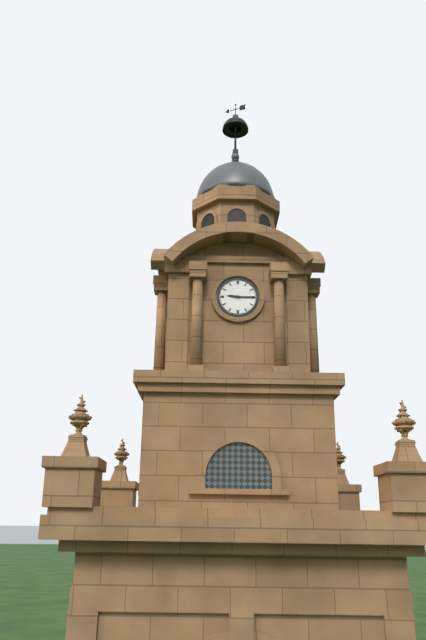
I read {"hour": 9, "minute": 15}
